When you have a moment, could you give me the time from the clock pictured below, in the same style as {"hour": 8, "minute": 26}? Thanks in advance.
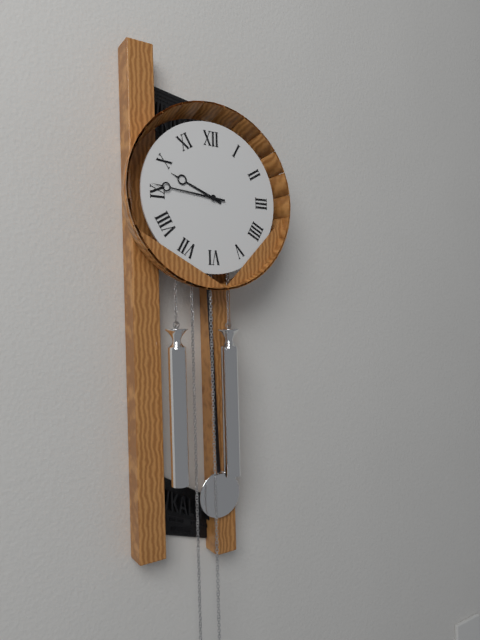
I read {"hour": 9, "minute": 46}
